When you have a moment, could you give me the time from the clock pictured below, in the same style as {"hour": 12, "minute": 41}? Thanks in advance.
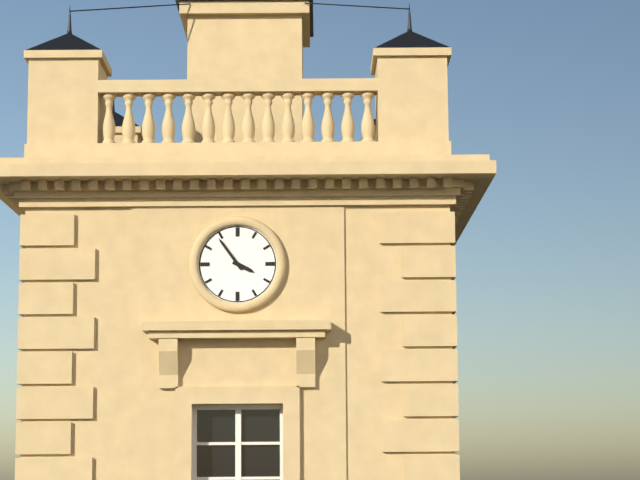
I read {"hour": 3, "minute": 54}
